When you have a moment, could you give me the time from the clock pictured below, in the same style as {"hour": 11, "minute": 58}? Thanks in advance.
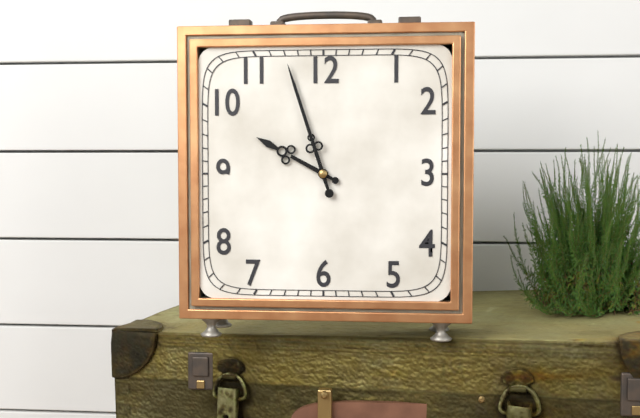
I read {"hour": 9, "minute": 57}
